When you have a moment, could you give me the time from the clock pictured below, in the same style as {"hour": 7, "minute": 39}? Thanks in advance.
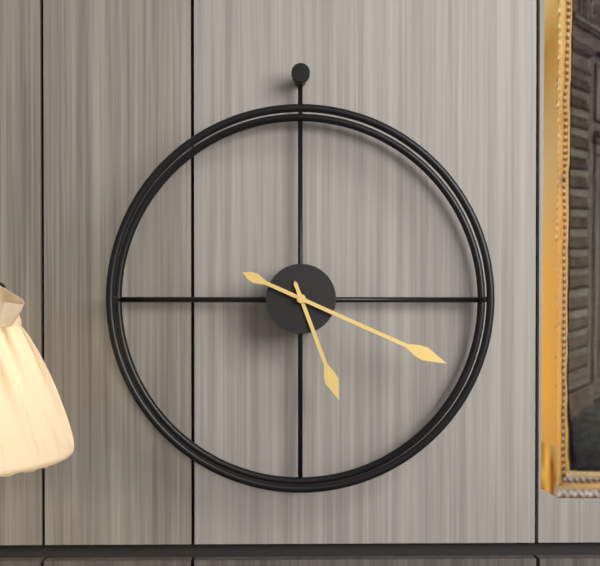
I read {"hour": 5, "minute": 19}
